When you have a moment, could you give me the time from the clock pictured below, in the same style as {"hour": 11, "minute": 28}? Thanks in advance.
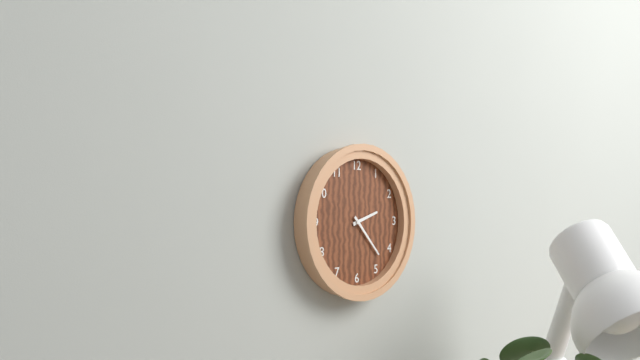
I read {"hour": 2, "minute": 23}
